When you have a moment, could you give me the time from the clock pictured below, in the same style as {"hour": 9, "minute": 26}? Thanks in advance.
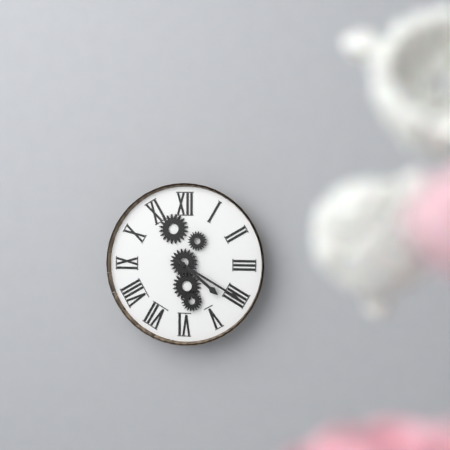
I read {"hour": 4, "minute": 20}
